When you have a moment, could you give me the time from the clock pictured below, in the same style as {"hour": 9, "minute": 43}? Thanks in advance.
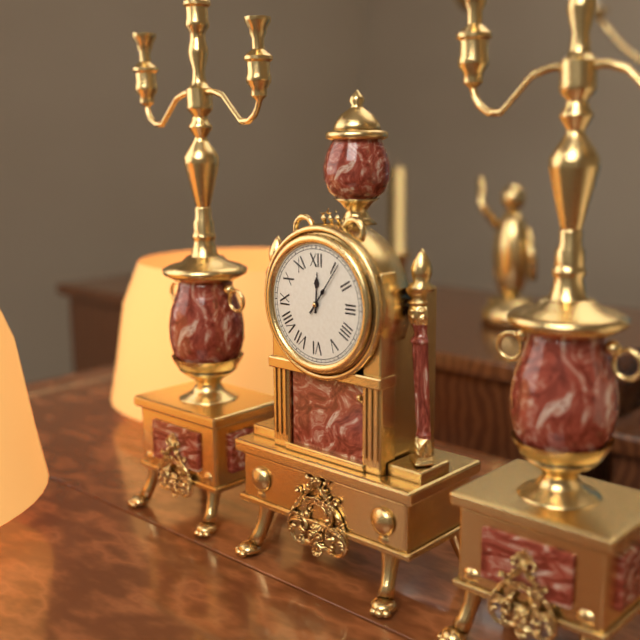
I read {"hour": 12, "minute": 6}
